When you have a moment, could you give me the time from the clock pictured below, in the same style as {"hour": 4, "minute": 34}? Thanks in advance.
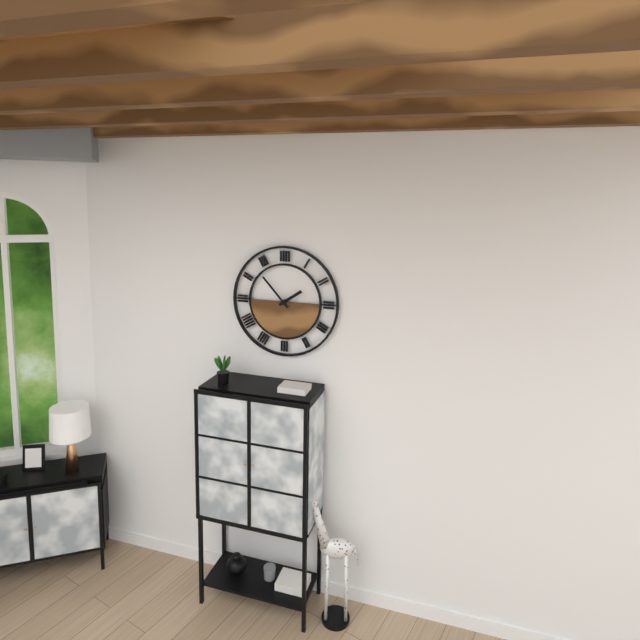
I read {"hour": 1, "minute": 53}
